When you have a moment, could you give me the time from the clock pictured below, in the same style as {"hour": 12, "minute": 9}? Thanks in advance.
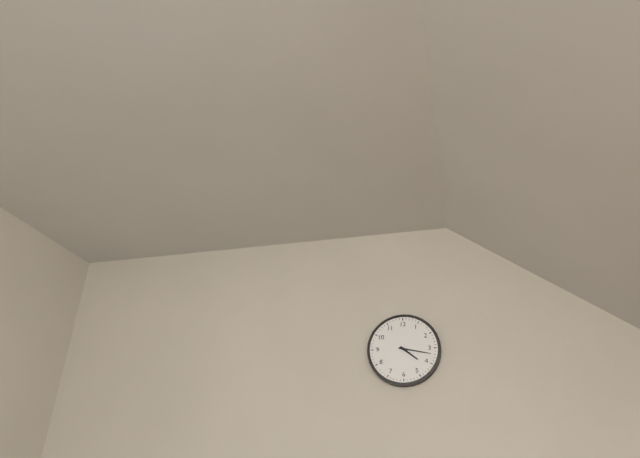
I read {"hour": 4, "minute": 17}
